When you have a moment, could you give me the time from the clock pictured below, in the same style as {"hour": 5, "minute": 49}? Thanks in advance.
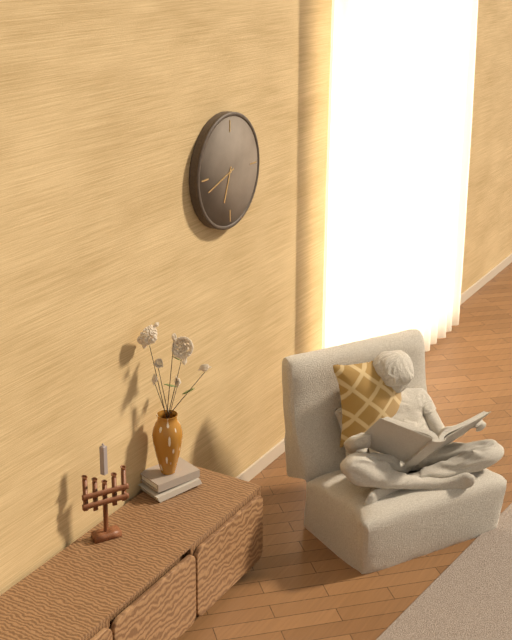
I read {"hour": 6, "minute": 42}
